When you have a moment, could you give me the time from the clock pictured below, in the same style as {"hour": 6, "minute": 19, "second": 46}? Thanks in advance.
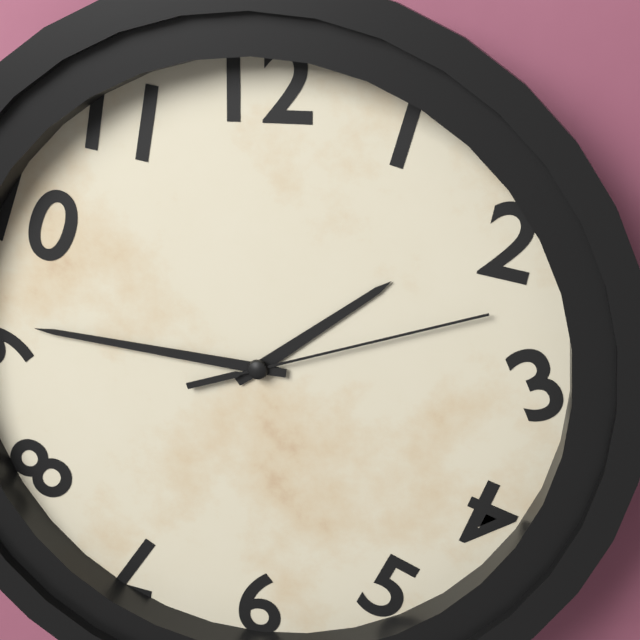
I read {"hour": 1, "minute": 46, "second": 12}
